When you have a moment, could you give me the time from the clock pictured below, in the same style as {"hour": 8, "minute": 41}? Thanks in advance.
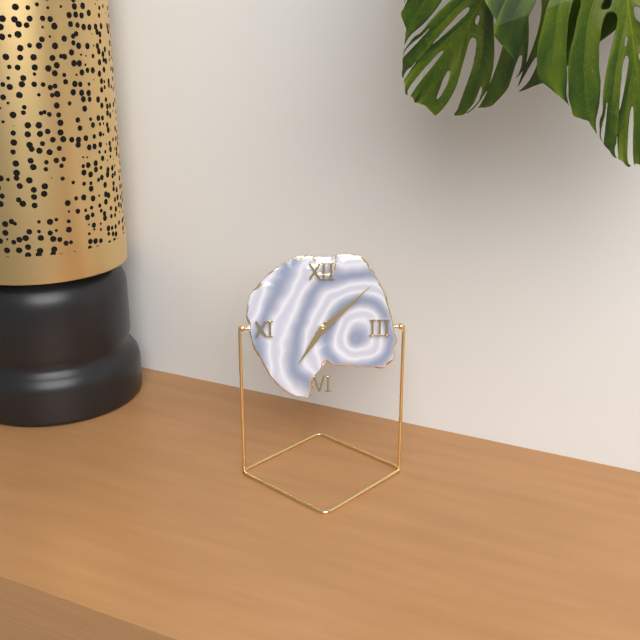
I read {"hour": 7, "minute": 8}
